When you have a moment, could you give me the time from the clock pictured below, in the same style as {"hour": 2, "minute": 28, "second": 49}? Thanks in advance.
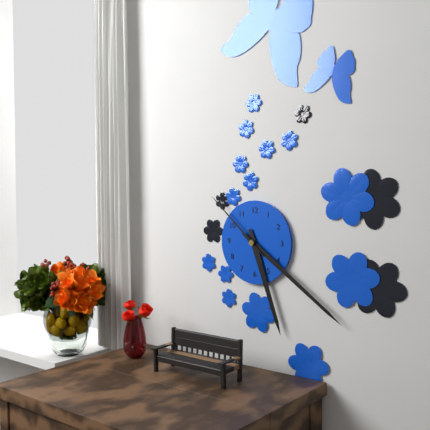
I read {"hour": 5, "minute": 21, "second": 52}
